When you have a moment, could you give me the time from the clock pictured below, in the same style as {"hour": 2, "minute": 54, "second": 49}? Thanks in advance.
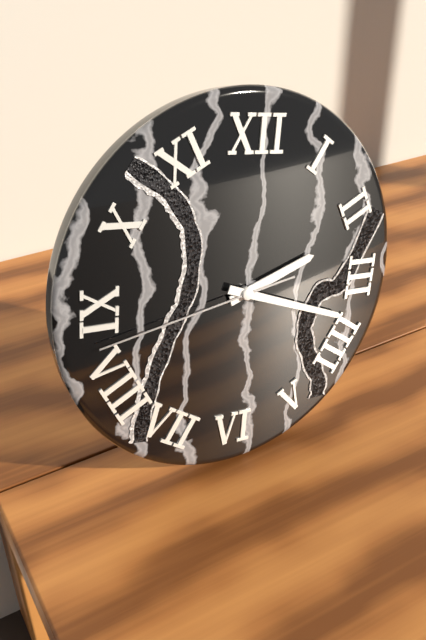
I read {"hour": 2, "minute": 18, "second": 43}
